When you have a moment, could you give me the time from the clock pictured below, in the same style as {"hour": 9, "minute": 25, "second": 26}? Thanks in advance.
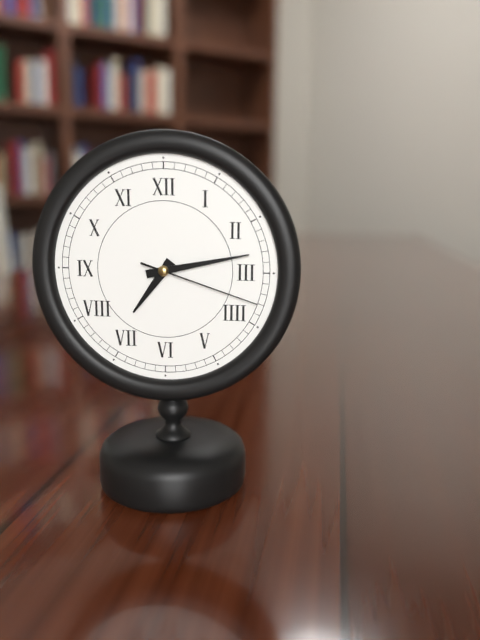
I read {"hour": 7, "minute": 13, "second": 18}
